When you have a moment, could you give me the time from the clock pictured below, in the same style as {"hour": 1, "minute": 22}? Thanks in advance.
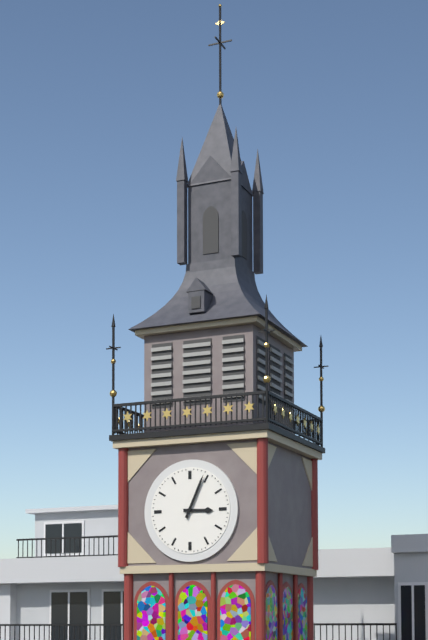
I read {"hour": 3, "minute": 4}
